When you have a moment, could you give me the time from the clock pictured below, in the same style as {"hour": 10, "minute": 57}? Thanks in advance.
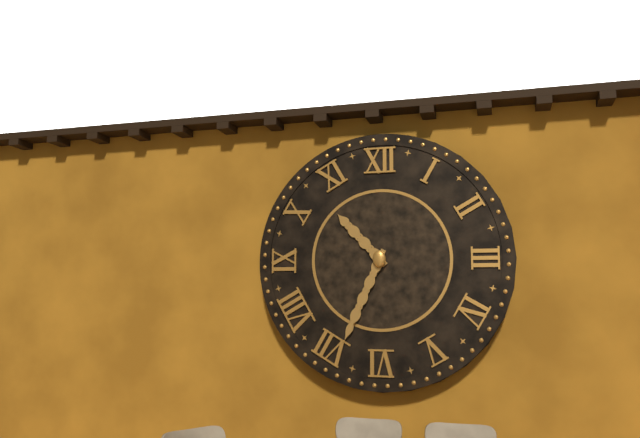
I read {"hour": 10, "minute": 34}
